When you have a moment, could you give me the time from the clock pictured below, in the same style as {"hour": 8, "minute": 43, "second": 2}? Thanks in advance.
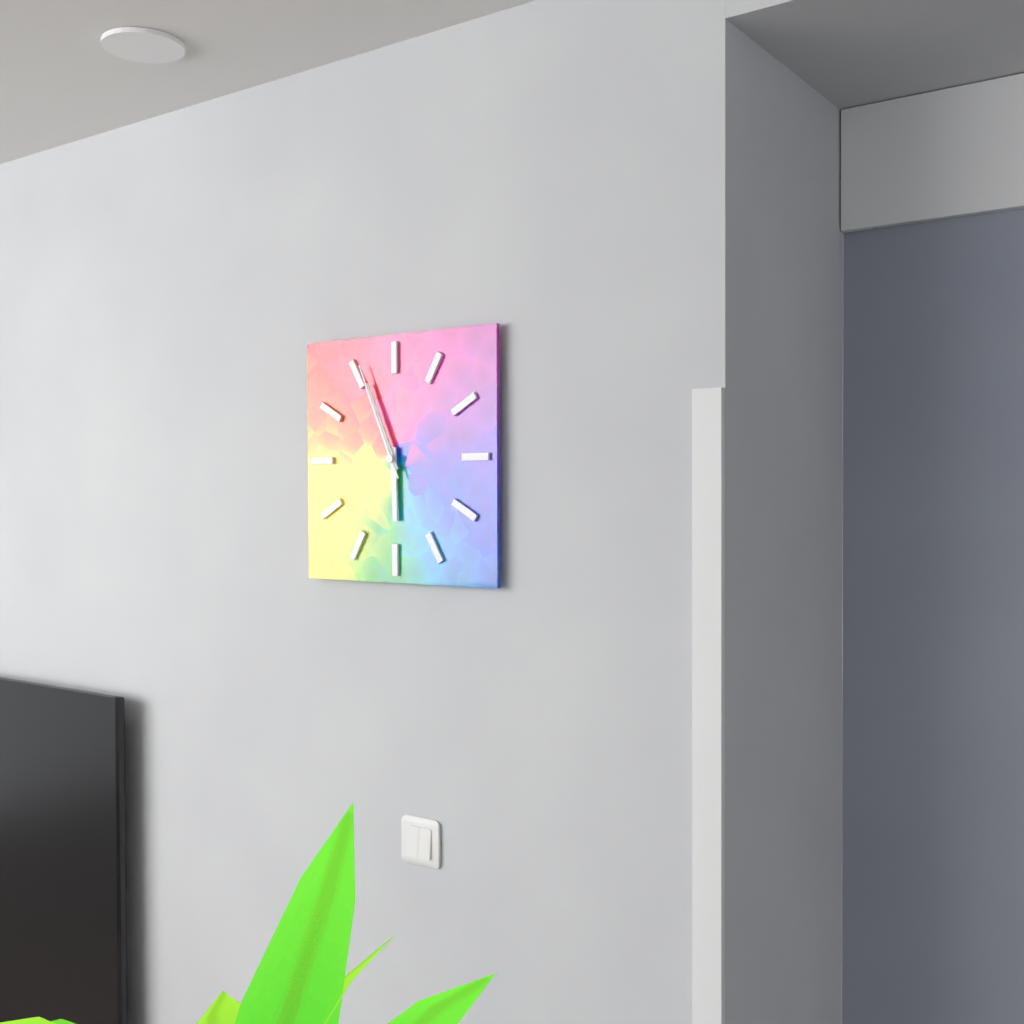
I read {"hour": 5, "minute": 56, "second": 56}
